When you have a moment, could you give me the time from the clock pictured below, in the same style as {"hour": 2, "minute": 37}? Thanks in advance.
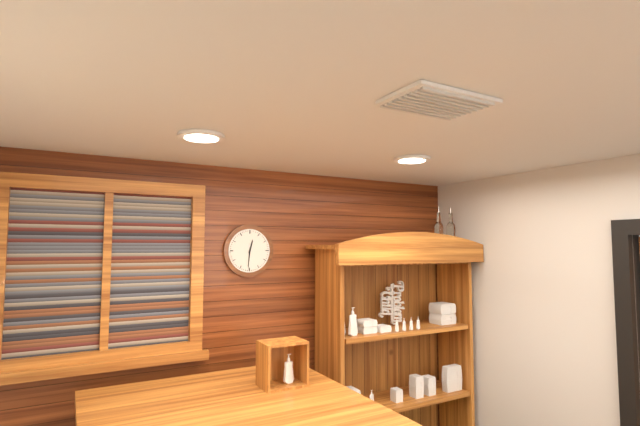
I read {"hour": 12, "minute": 31}
